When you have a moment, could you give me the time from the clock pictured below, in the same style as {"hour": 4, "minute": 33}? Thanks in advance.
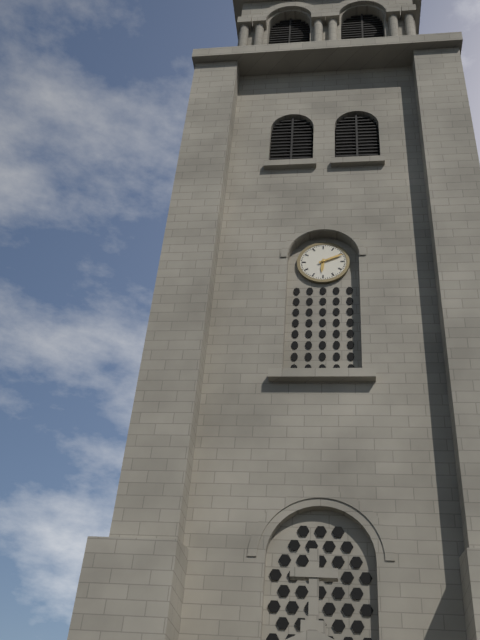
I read {"hour": 6, "minute": 11}
